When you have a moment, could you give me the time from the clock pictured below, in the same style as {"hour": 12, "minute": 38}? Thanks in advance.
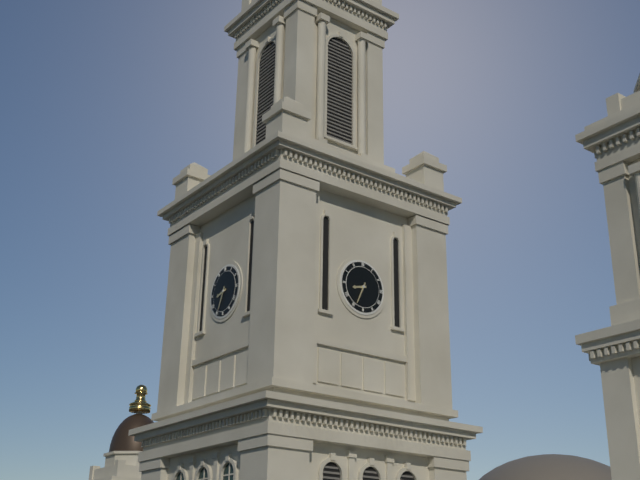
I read {"hour": 8, "minute": 34}
